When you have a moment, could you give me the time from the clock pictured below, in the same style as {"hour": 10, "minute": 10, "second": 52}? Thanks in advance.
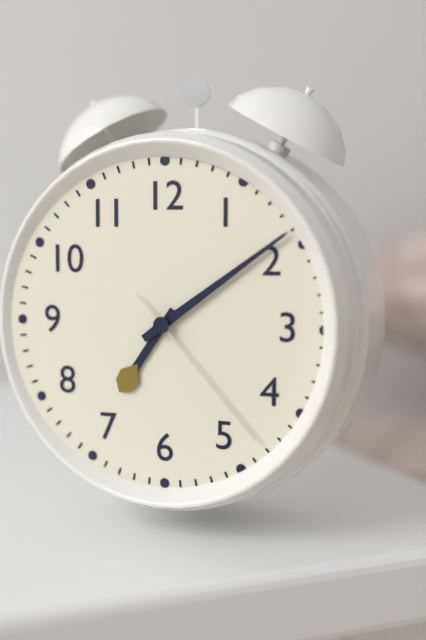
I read {"hour": 7, "minute": 9, "second": 23}
